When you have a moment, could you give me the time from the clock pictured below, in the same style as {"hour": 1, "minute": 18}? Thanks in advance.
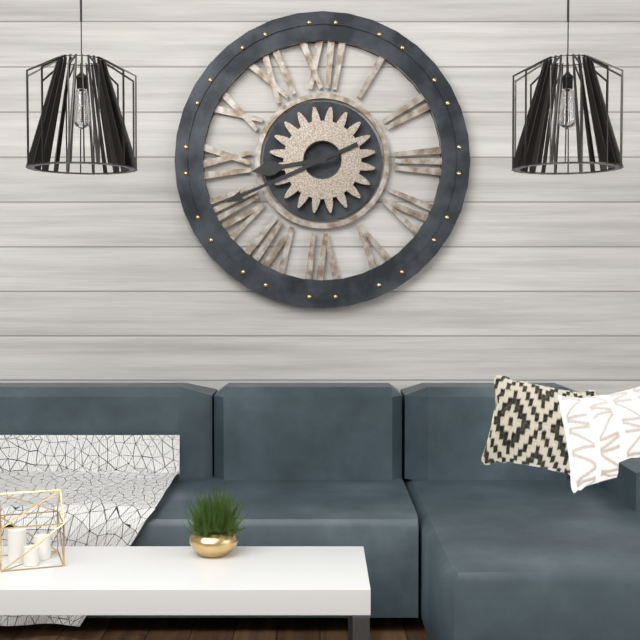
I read {"hour": 8, "minute": 41}
